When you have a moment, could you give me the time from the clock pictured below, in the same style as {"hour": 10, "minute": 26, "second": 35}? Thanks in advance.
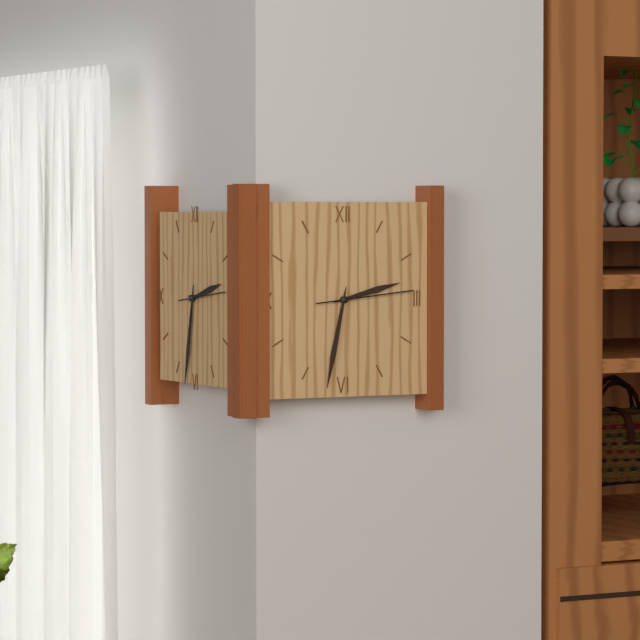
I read {"hour": 2, "minute": 32, "second": 14}
